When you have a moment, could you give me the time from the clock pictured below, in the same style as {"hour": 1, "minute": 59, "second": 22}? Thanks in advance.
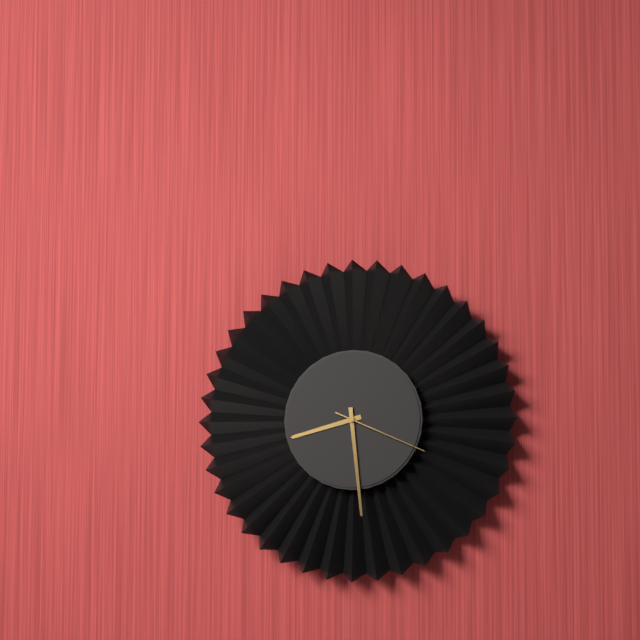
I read {"hour": 8, "minute": 29, "second": 19}
